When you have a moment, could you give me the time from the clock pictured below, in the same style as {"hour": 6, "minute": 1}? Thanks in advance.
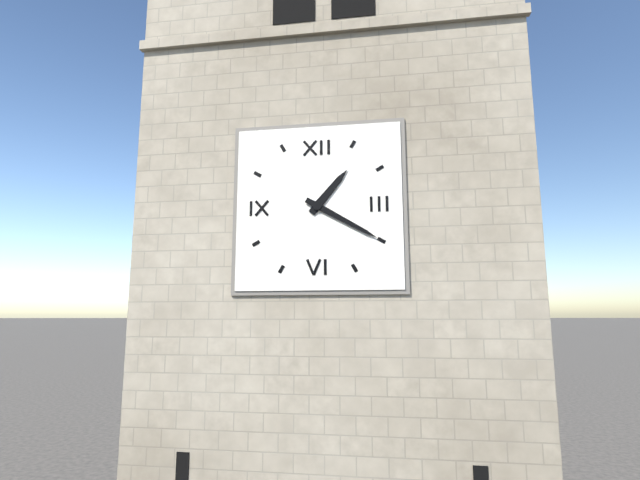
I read {"hour": 1, "minute": 20}
